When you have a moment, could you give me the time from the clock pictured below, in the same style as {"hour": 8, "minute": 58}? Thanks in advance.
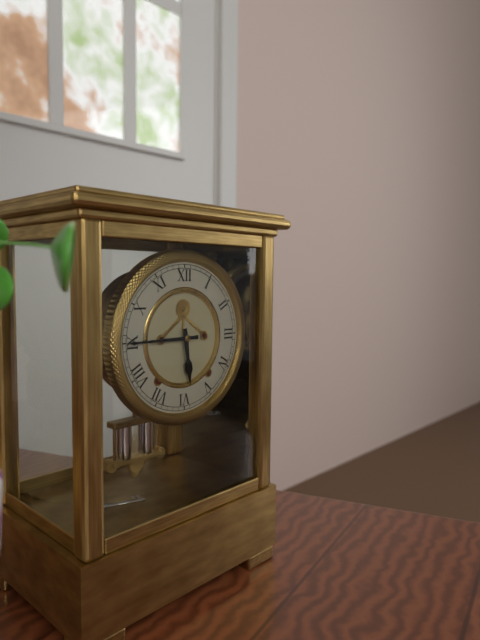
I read {"hour": 5, "minute": 45}
